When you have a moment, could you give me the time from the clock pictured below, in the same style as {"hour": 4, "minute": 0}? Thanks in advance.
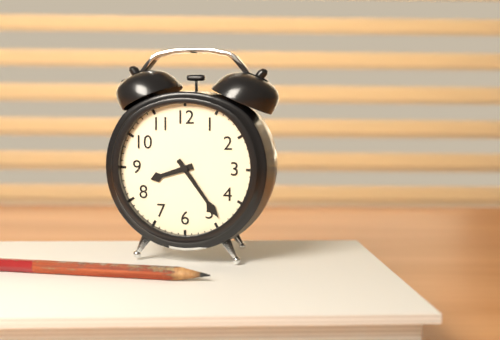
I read {"hour": 8, "minute": 24}
